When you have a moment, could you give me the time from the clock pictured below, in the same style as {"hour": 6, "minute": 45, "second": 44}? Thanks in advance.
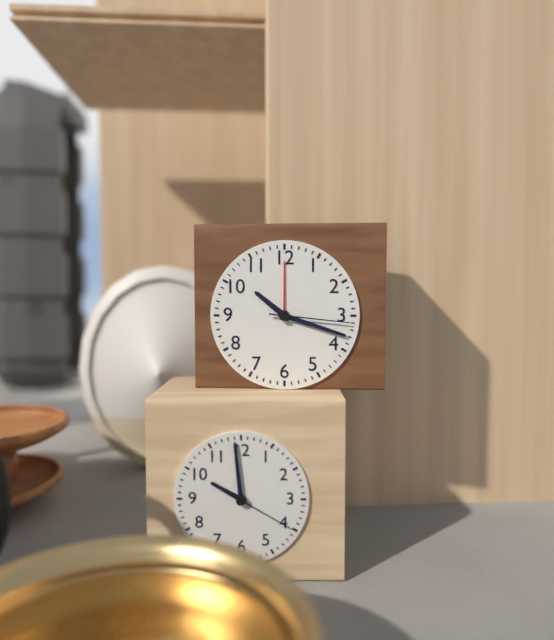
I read {"hour": 10, "minute": 18, "second": 16}
